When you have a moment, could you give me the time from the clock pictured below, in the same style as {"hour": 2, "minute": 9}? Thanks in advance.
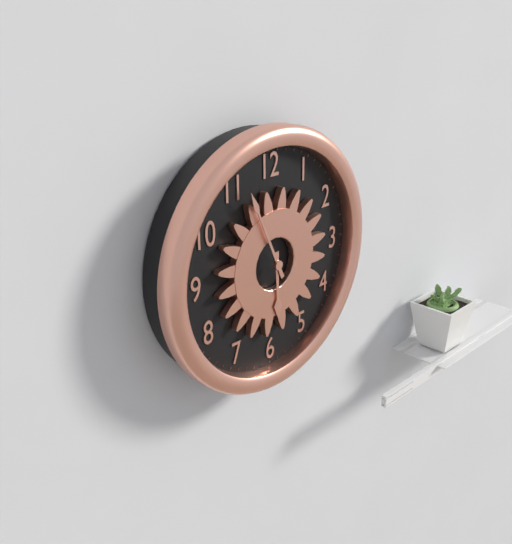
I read {"hour": 5, "minute": 56}
